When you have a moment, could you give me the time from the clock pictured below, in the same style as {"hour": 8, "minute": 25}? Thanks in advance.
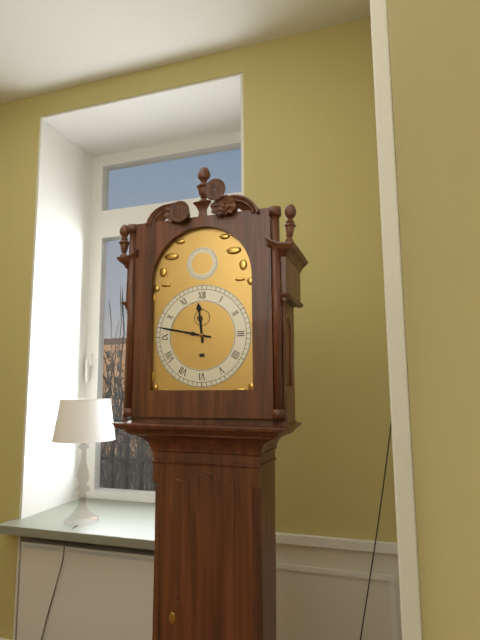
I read {"hour": 11, "minute": 47}
